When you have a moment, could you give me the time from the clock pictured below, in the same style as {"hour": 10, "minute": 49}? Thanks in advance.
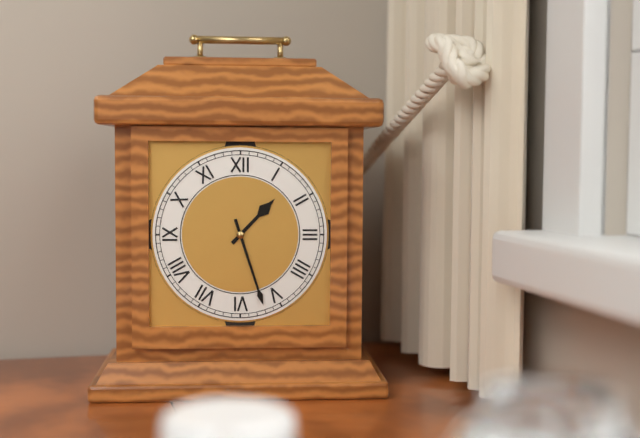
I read {"hour": 1, "minute": 27}
